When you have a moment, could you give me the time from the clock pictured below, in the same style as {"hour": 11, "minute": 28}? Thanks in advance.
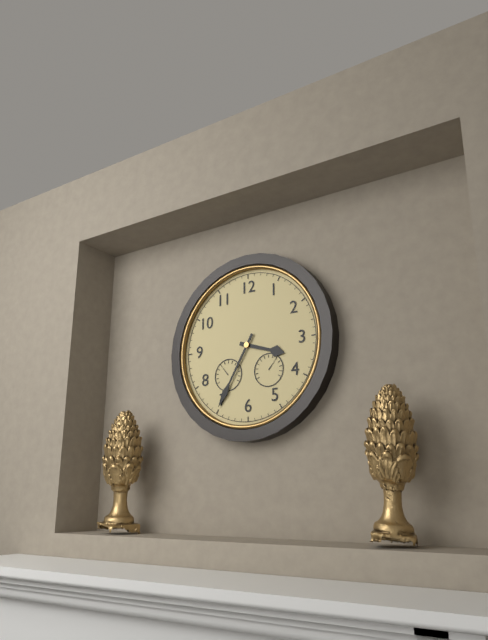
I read {"hour": 3, "minute": 35}
